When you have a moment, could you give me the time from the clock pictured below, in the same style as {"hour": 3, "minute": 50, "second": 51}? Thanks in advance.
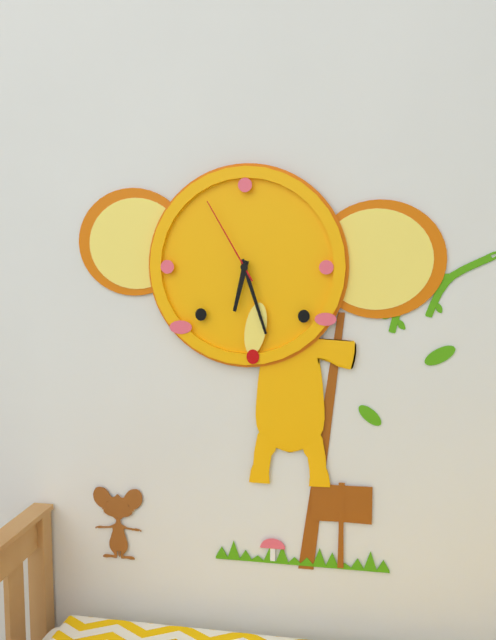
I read {"hour": 6, "minute": 27, "second": 55}
